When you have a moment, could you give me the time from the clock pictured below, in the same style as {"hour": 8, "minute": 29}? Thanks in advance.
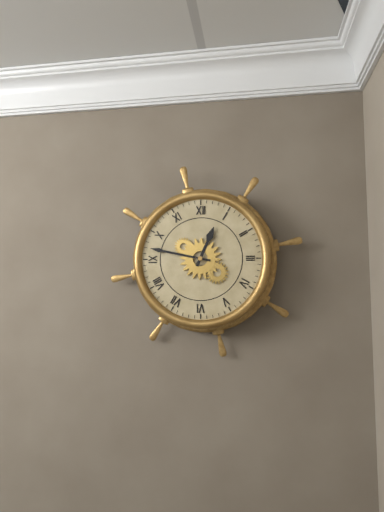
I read {"hour": 12, "minute": 47}
